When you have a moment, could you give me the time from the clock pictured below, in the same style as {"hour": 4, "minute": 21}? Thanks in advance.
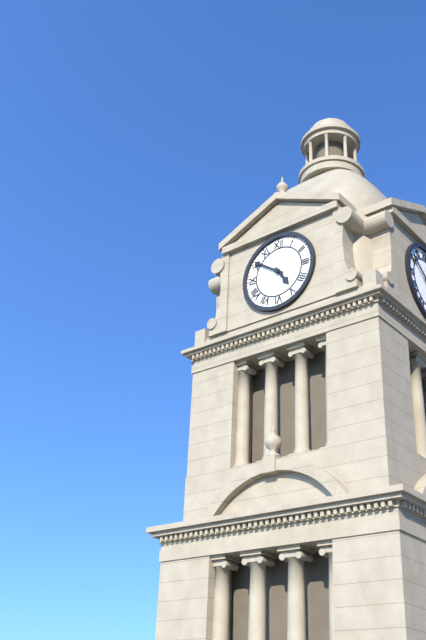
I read {"hour": 4, "minute": 51}
